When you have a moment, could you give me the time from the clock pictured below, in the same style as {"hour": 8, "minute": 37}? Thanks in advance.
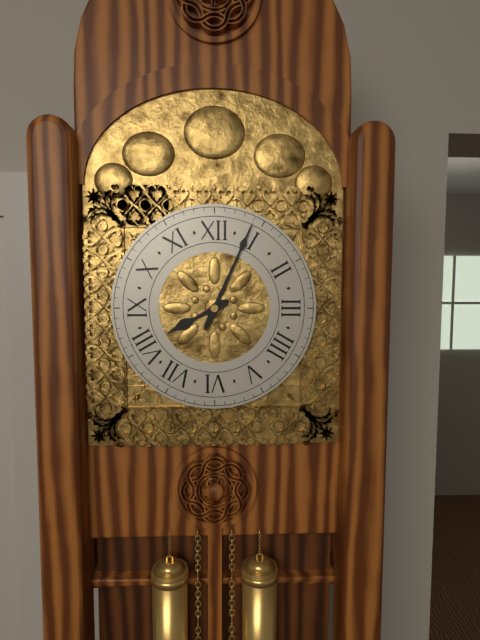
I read {"hour": 8, "minute": 4}
